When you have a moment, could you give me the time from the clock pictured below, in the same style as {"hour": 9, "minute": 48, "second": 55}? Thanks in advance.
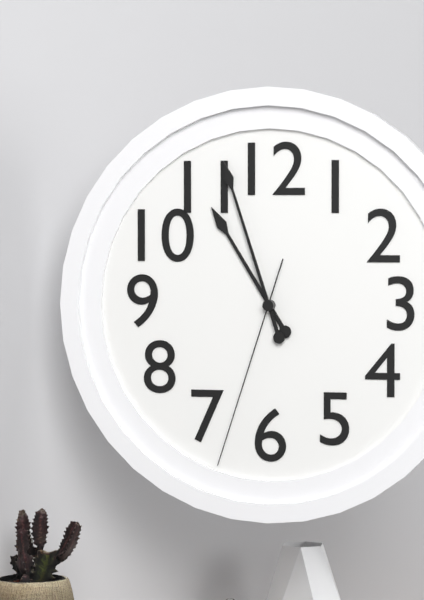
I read {"hour": 10, "minute": 57, "second": 33}
